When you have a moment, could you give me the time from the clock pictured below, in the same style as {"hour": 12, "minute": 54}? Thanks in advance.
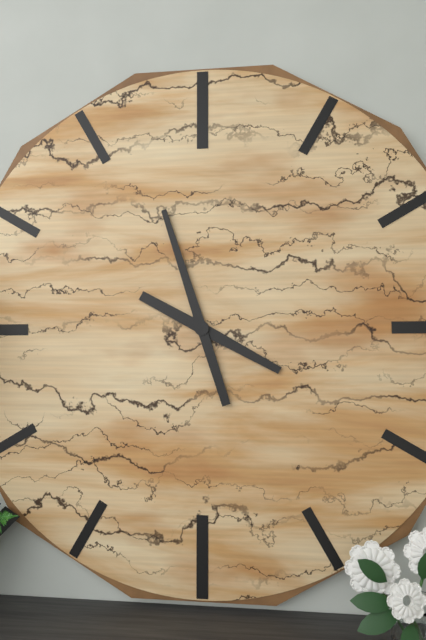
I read {"hour": 3, "minute": 57}
